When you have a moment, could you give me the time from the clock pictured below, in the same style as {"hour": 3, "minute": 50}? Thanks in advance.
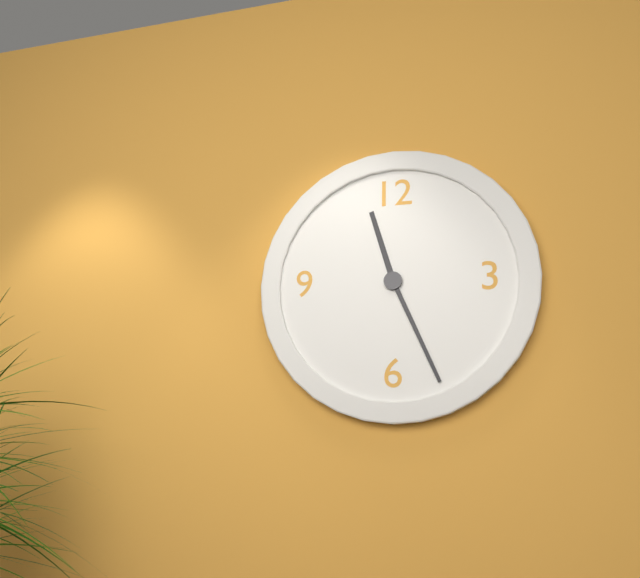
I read {"hour": 11, "minute": 26}
